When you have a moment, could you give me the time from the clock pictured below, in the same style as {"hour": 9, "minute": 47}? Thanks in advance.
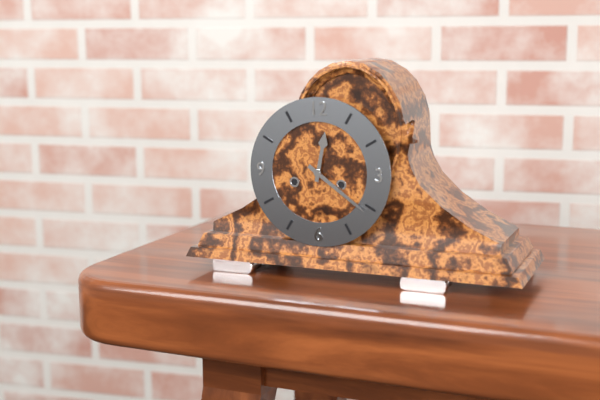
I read {"hour": 12, "minute": 21}
